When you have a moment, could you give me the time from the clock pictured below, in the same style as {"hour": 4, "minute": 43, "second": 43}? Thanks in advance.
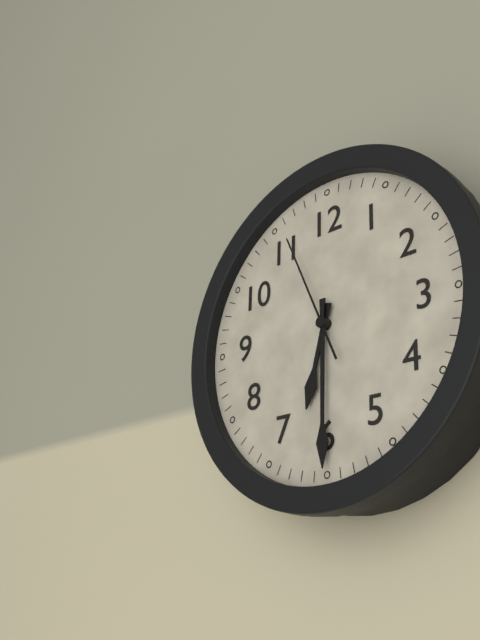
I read {"hour": 6, "minute": 30, "second": 56}
